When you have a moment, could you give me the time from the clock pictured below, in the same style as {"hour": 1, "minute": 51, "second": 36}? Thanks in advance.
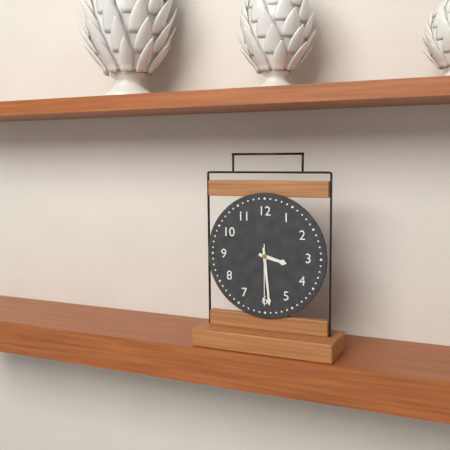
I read {"hour": 3, "minute": 29, "second": 30}
